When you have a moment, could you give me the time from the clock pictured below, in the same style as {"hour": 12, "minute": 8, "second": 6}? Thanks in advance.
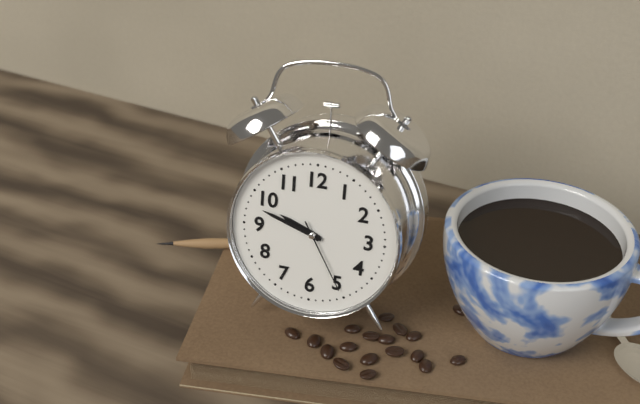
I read {"hour": 9, "minute": 48, "second": 25}
